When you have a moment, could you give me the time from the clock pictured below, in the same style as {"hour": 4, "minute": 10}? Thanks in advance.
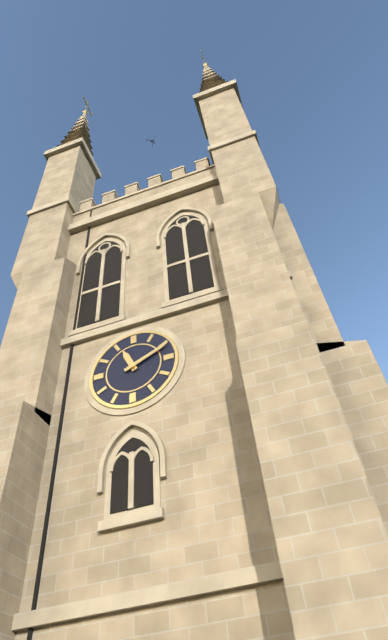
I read {"hour": 11, "minute": 11}
